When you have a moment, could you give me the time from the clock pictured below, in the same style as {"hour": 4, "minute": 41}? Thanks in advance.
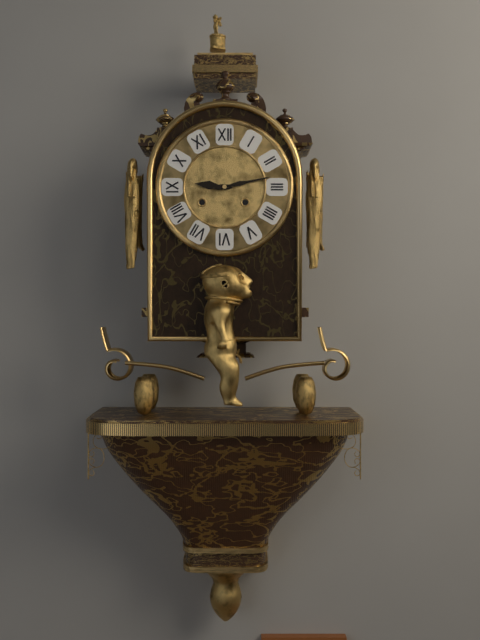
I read {"hour": 9, "minute": 13}
